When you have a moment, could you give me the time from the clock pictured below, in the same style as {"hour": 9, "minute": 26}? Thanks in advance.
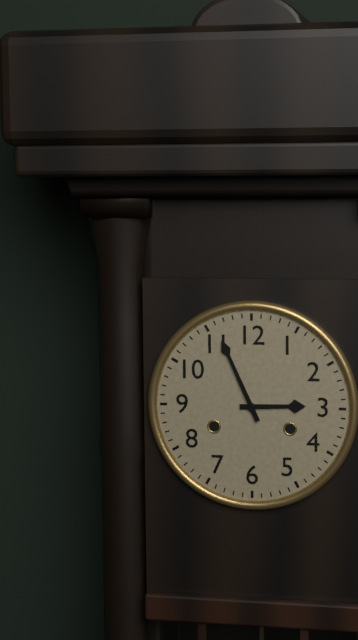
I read {"hour": 2, "minute": 56}
